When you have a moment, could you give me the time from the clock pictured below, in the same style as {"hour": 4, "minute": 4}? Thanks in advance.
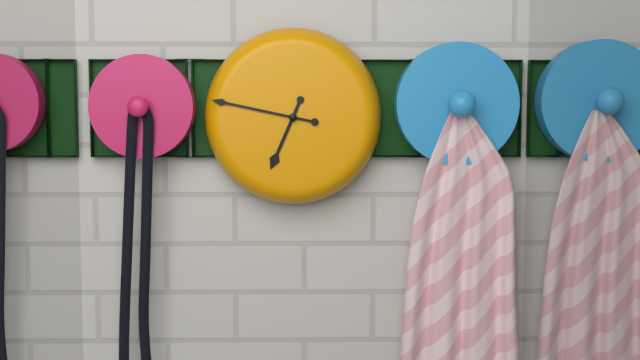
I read {"hour": 6, "minute": 47}
